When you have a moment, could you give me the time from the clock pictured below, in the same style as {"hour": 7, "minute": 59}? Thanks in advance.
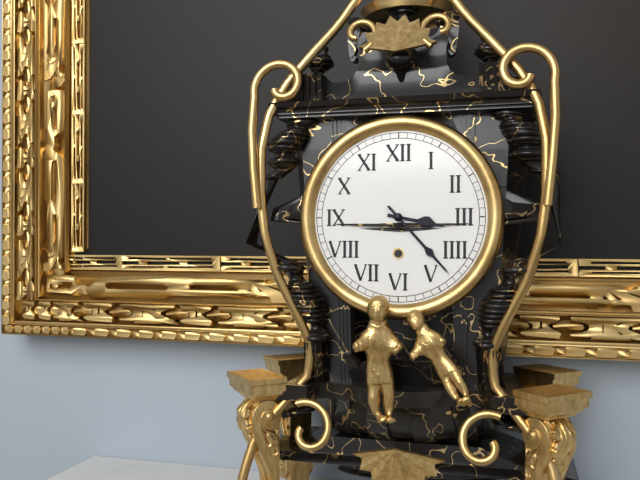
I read {"hour": 3, "minute": 23}
